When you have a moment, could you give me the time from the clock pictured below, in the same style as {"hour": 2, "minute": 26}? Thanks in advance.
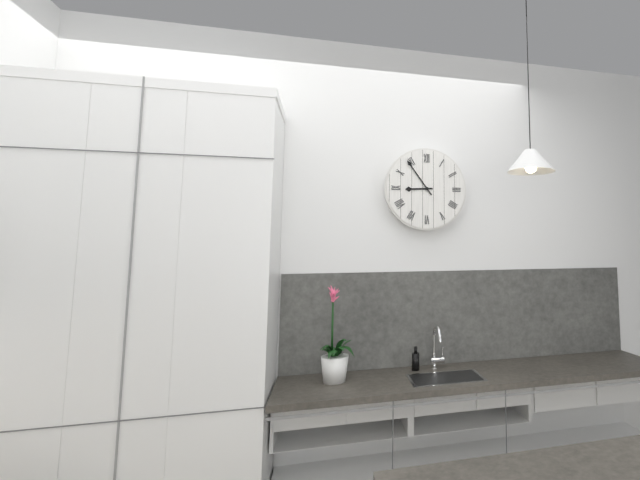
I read {"hour": 8, "minute": 54}
